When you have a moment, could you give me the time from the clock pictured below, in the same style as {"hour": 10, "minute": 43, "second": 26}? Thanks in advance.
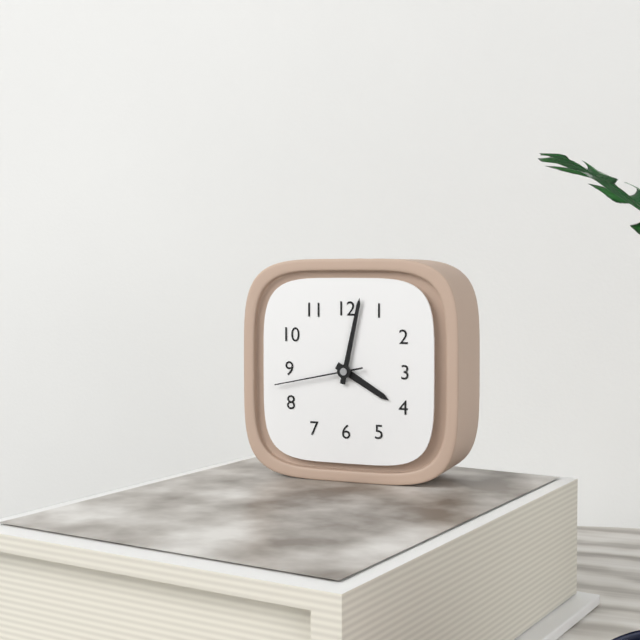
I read {"hour": 4, "minute": 2, "second": 43}
